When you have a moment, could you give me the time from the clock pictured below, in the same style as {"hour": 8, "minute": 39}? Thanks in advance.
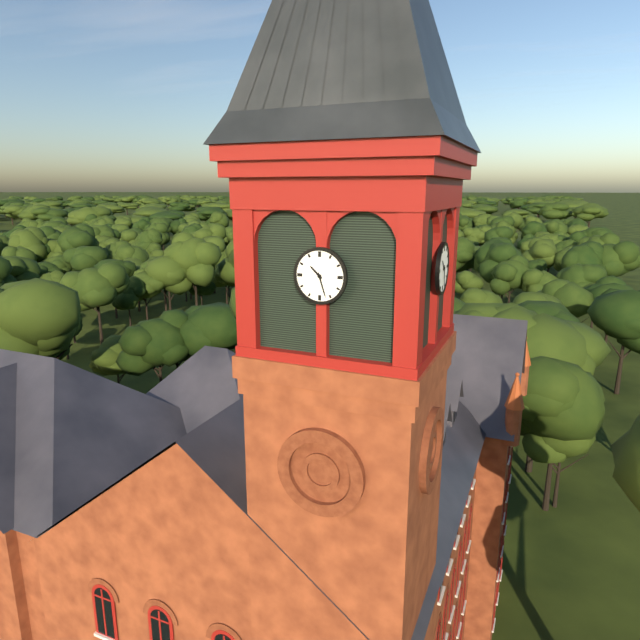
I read {"hour": 10, "minute": 27}
